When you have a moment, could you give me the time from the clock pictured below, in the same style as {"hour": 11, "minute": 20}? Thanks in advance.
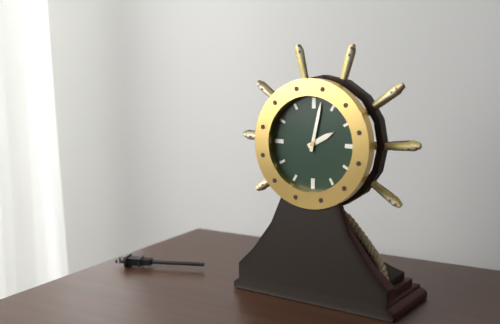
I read {"hour": 2, "minute": 2}
